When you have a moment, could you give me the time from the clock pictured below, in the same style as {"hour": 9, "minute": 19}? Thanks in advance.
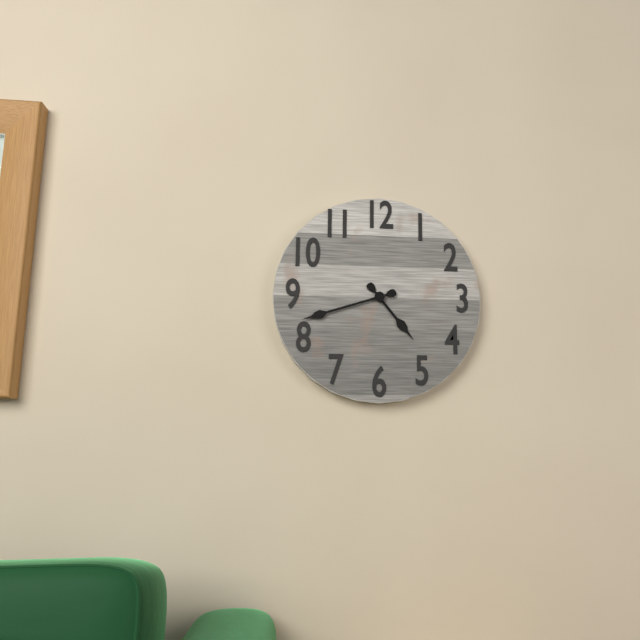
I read {"hour": 4, "minute": 42}
